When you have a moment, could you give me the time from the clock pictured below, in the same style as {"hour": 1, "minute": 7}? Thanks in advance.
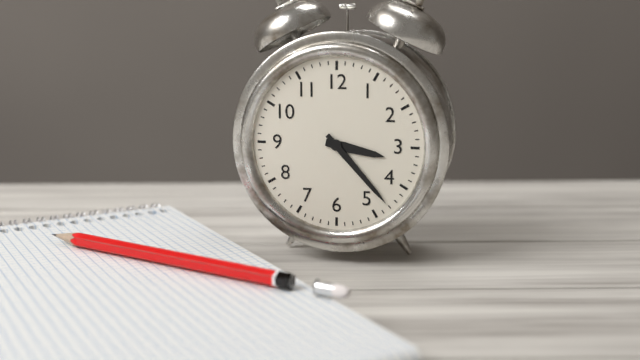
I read {"hour": 3, "minute": 23}
